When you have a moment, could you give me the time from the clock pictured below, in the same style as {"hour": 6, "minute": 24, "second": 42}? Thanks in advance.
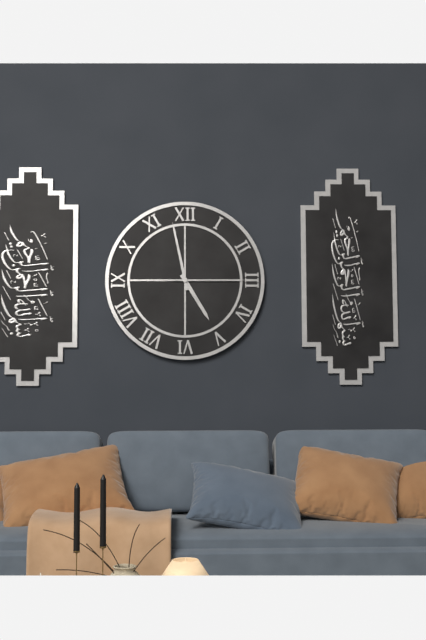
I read {"hour": 4, "minute": 58, "second": 15}
